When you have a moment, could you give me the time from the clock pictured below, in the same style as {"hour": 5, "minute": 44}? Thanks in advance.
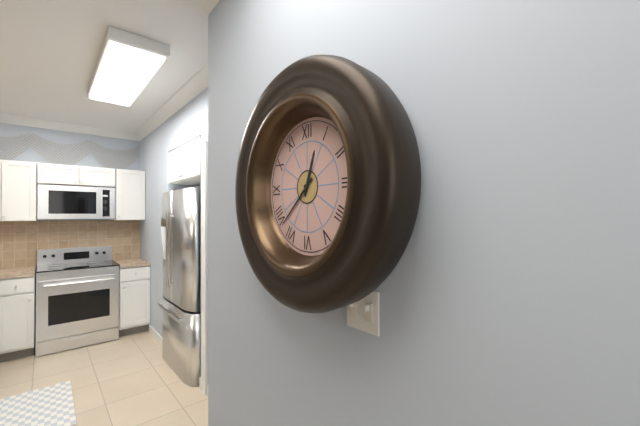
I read {"hour": 12, "minute": 38}
